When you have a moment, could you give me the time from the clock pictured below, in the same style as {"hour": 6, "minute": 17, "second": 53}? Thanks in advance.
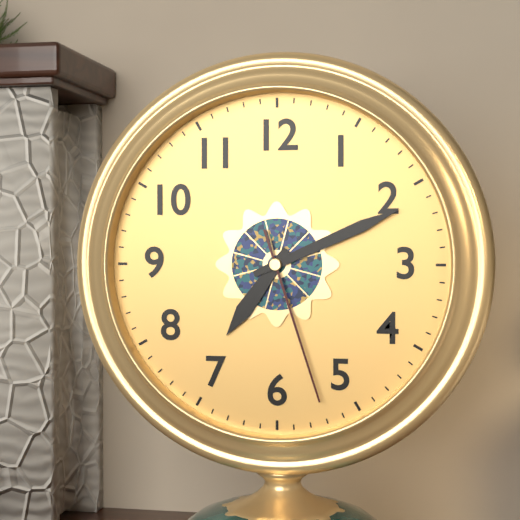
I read {"hour": 7, "minute": 11, "second": 27}
